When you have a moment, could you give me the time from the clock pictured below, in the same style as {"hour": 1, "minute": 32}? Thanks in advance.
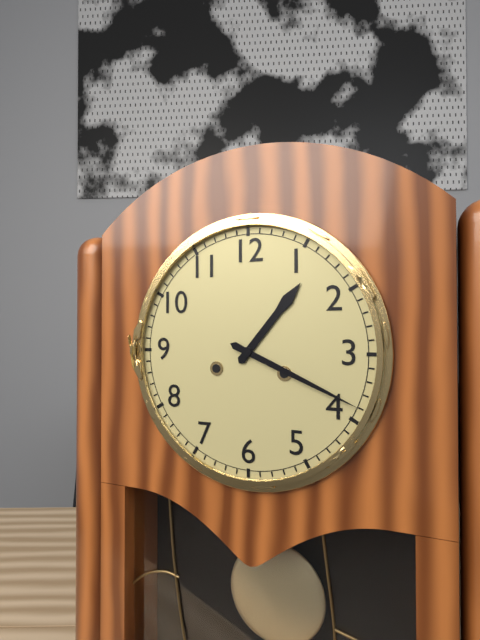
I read {"hour": 1, "minute": 19}
